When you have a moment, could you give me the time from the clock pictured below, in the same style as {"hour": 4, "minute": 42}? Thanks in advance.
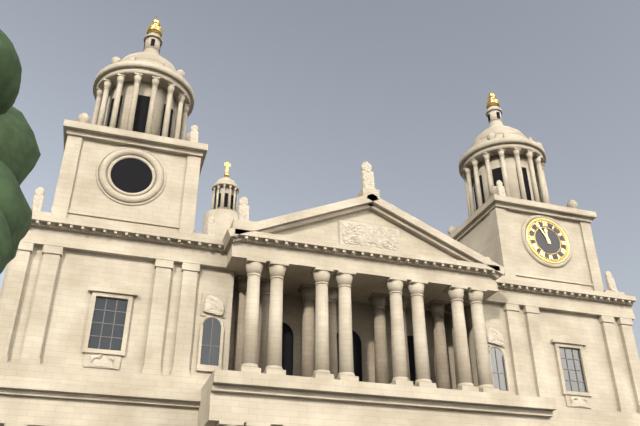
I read {"hour": 11, "minute": 55}
